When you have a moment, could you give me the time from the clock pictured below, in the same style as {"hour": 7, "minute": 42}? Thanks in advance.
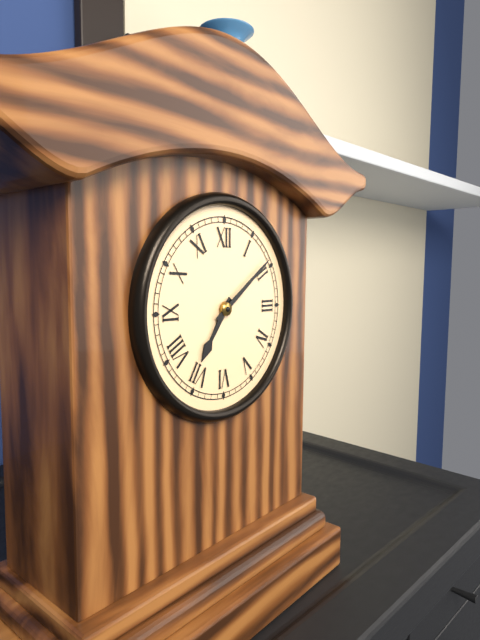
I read {"hour": 7, "minute": 9}
